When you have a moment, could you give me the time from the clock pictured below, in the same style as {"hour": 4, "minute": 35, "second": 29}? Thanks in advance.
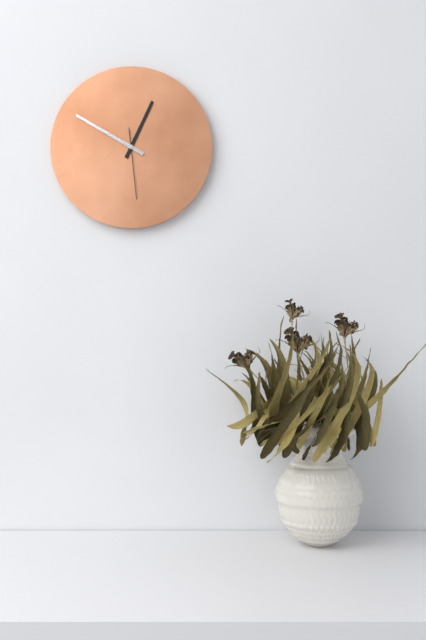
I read {"hour": 12, "minute": 50, "second": 29}
